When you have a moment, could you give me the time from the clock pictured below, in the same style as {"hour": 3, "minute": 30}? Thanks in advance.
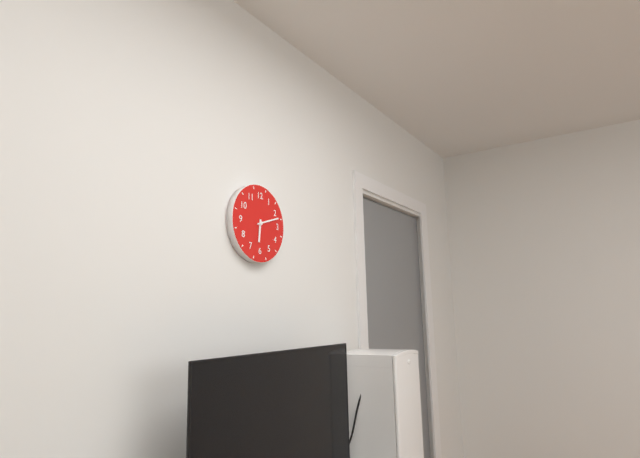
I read {"hour": 6, "minute": 12}
